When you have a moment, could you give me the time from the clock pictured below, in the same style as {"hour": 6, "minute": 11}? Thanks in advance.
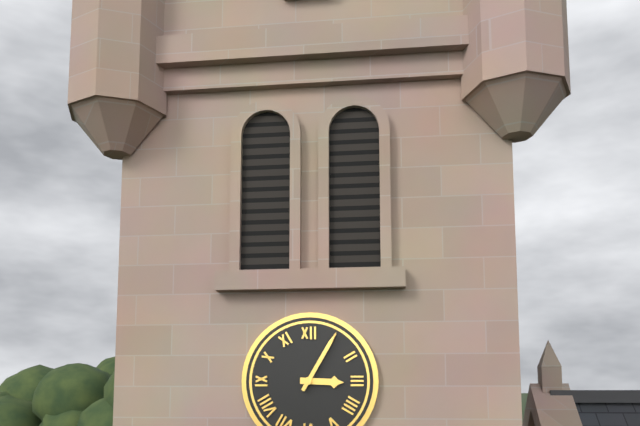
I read {"hour": 3, "minute": 5}
